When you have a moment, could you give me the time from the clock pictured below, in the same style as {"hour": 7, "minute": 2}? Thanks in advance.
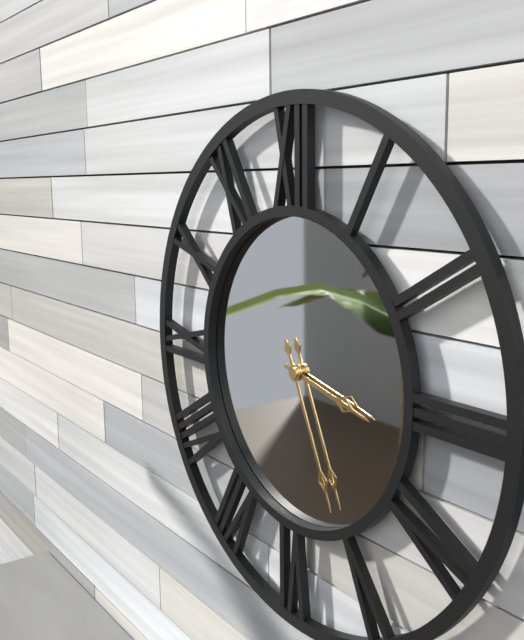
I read {"hour": 3, "minute": 26}
